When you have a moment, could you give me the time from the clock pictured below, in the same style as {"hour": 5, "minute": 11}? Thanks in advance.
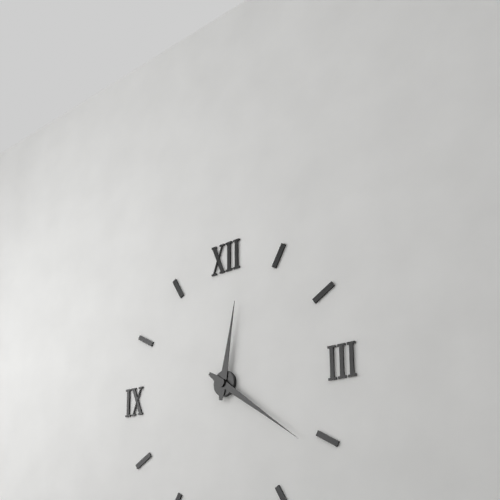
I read {"hour": 12, "minute": 21}
